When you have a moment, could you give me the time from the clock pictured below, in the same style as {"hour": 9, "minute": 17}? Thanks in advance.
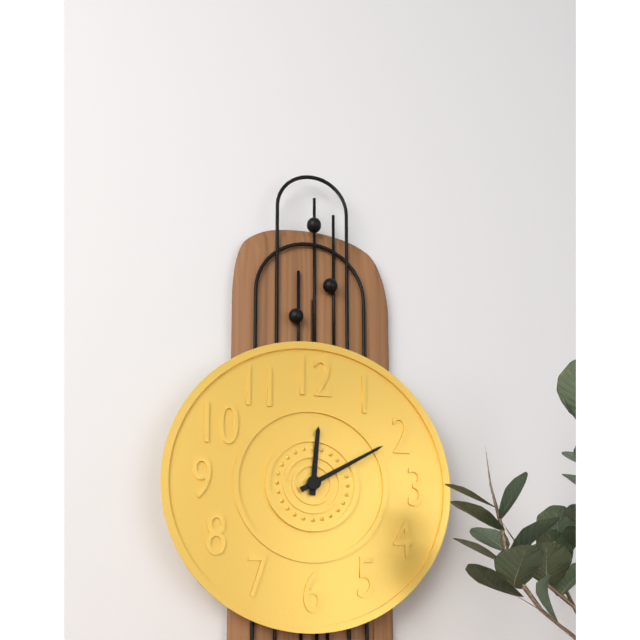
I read {"hour": 12, "minute": 10}
